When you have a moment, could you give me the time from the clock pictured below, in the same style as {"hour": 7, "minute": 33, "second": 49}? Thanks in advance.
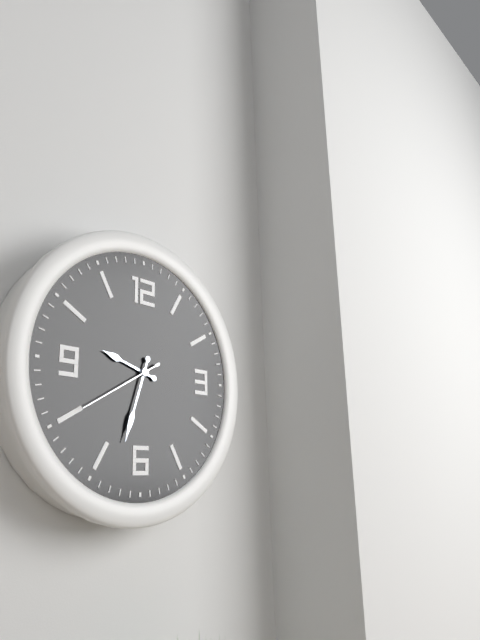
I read {"hour": 9, "minute": 33, "second": 40}
